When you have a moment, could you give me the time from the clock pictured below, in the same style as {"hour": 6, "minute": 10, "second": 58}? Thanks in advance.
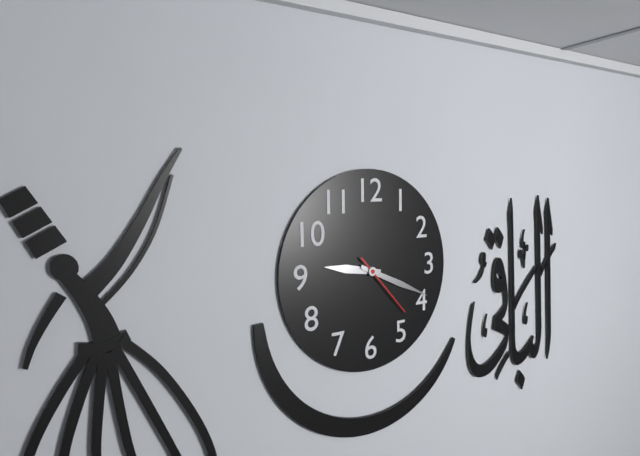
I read {"hour": 9, "minute": 19, "second": 23}
